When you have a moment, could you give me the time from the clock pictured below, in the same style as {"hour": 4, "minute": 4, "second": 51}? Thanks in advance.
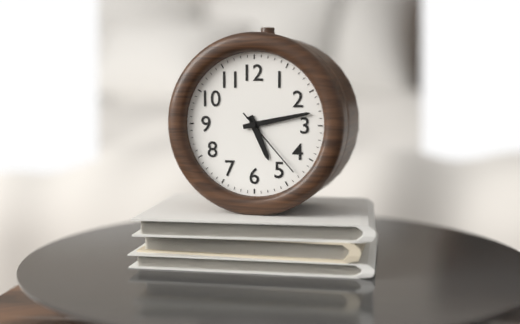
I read {"hour": 5, "minute": 13, "second": 23}
